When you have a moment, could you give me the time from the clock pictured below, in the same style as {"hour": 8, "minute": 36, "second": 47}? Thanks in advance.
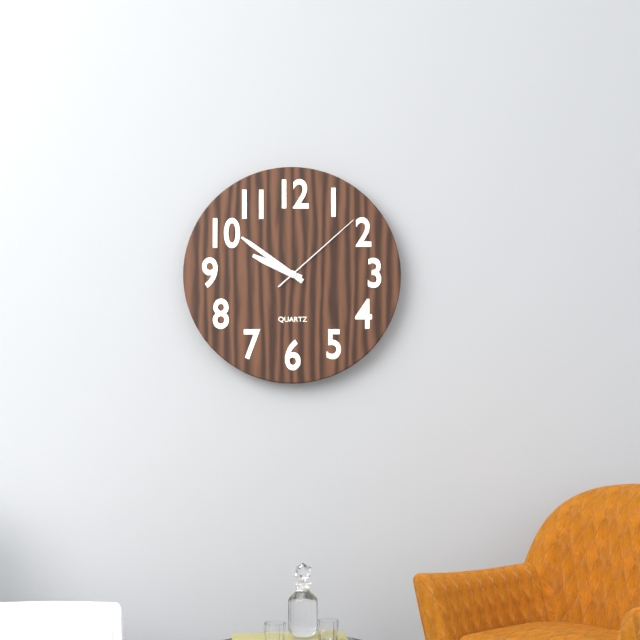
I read {"hour": 9, "minute": 51, "second": 8}
